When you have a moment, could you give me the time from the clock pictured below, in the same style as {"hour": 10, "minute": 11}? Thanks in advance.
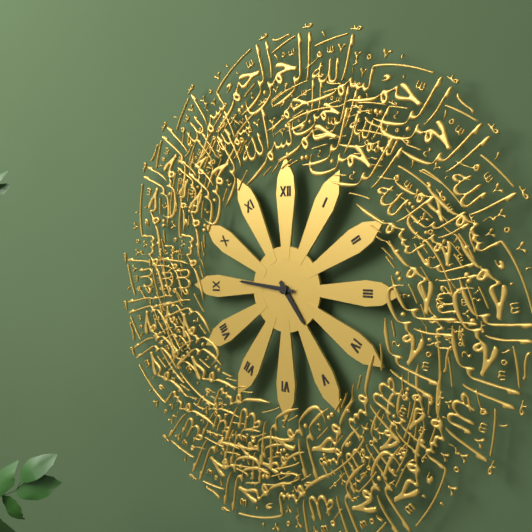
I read {"hour": 4, "minute": 46}
